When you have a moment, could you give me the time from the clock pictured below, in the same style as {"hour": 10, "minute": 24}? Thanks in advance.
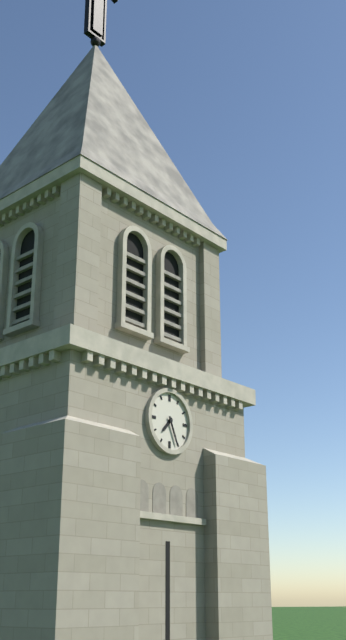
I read {"hour": 7, "minute": 26}
